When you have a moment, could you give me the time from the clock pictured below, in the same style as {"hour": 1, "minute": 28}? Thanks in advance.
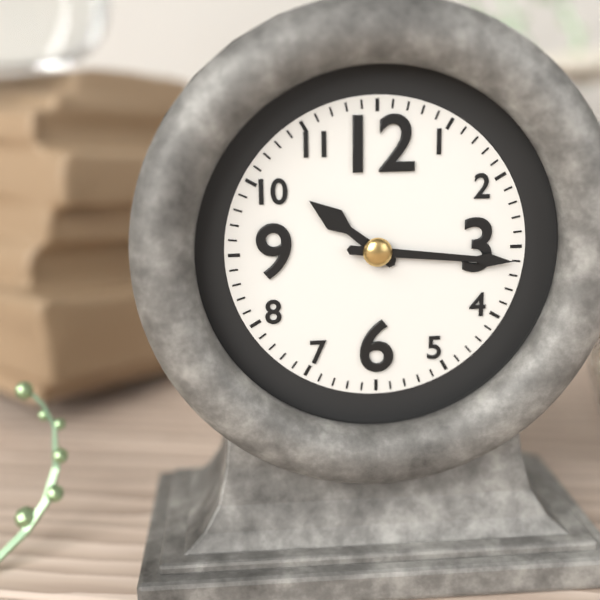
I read {"hour": 10, "minute": 16}
